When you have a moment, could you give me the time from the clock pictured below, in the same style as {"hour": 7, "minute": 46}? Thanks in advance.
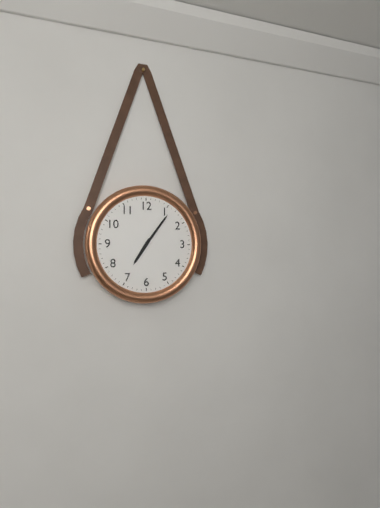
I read {"hour": 7, "minute": 6}
